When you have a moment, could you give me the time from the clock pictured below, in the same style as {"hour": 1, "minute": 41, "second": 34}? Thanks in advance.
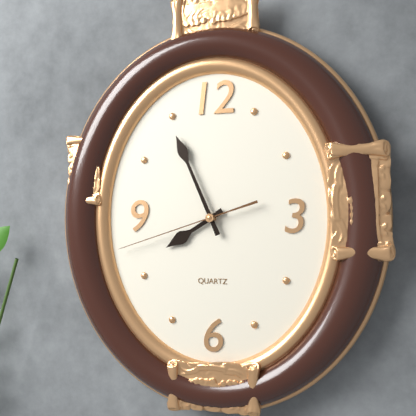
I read {"hour": 7, "minute": 56, "second": 42}
